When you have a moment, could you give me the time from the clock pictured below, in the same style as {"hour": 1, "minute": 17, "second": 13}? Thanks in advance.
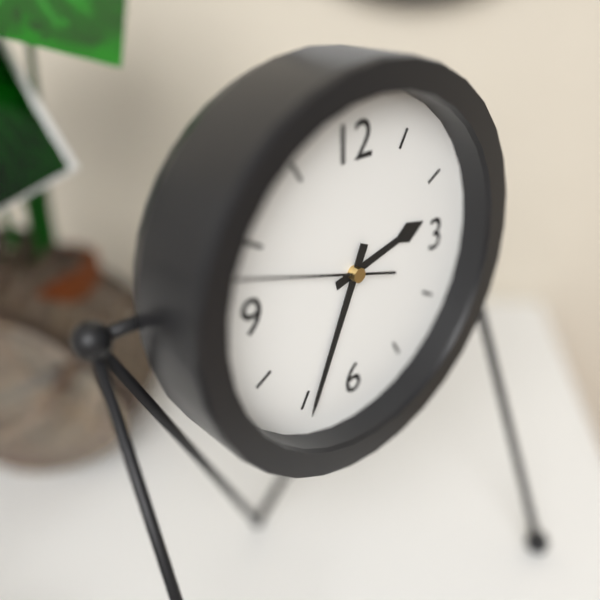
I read {"hour": 2, "minute": 34, "second": 48}
